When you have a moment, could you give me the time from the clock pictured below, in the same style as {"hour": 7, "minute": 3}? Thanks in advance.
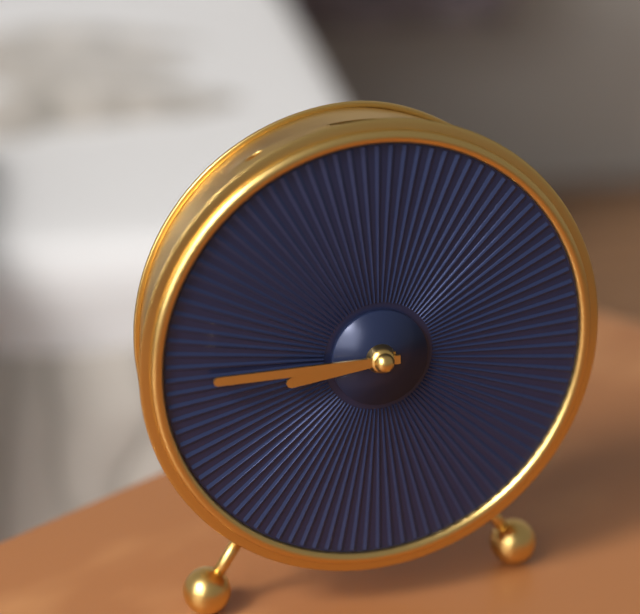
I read {"hour": 8, "minute": 45}
